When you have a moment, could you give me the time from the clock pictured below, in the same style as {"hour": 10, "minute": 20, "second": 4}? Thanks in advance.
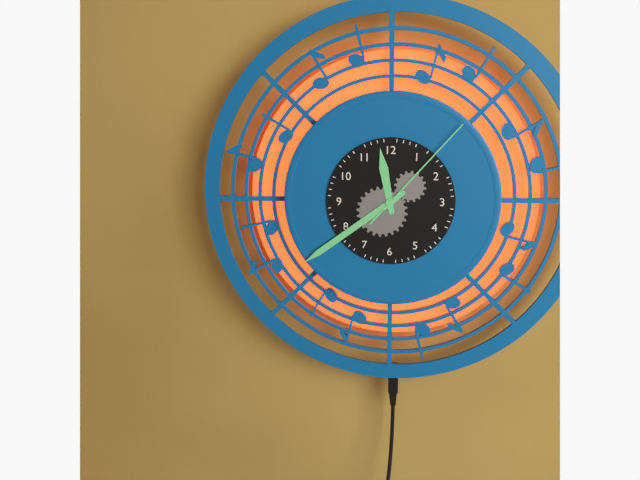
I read {"hour": 11, "minute": 39, "second": 7}
